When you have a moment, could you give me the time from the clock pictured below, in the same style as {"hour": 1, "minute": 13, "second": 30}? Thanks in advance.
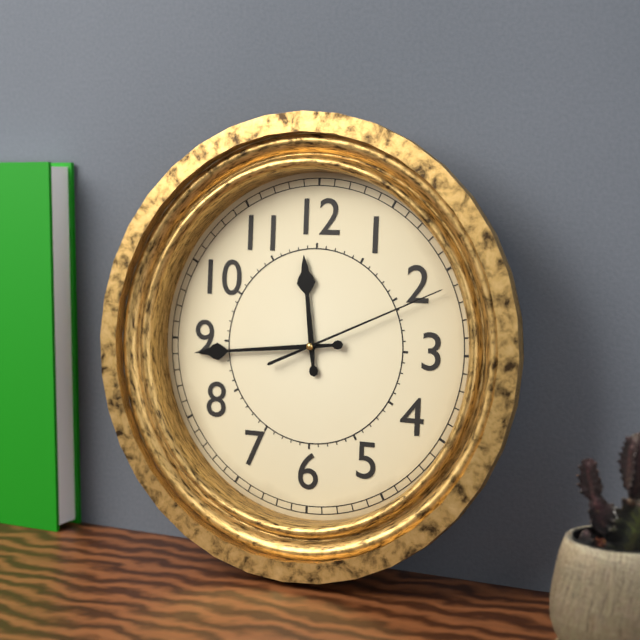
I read {"hour": 11, "minute": 44, "second": 11}
